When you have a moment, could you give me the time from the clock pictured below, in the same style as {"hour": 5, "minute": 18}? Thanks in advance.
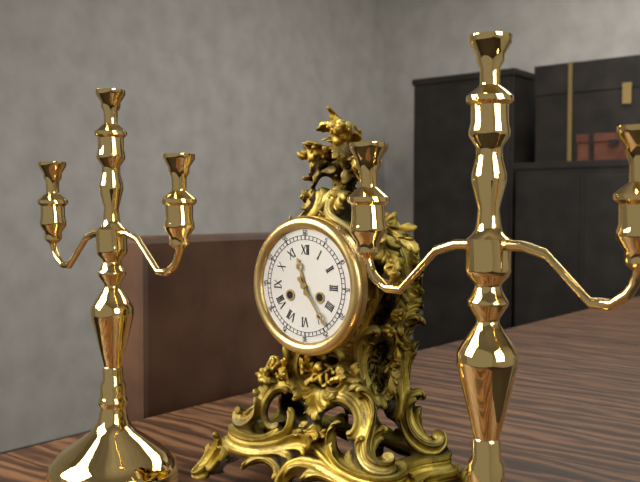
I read {"hour": 11, "minute": 24}
